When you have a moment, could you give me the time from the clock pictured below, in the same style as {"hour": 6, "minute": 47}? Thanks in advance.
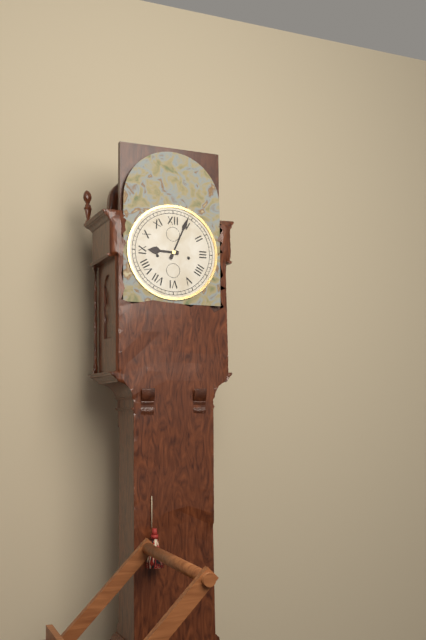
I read {"hour": 9, "minute": 4}
